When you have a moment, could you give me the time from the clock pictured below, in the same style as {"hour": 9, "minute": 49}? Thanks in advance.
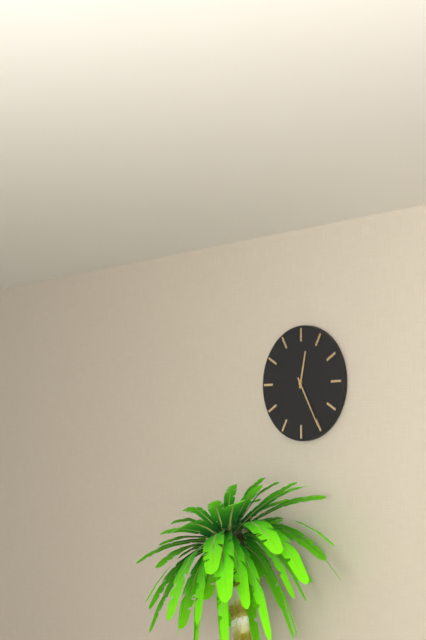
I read {"hour": 12, "minute": 25}
